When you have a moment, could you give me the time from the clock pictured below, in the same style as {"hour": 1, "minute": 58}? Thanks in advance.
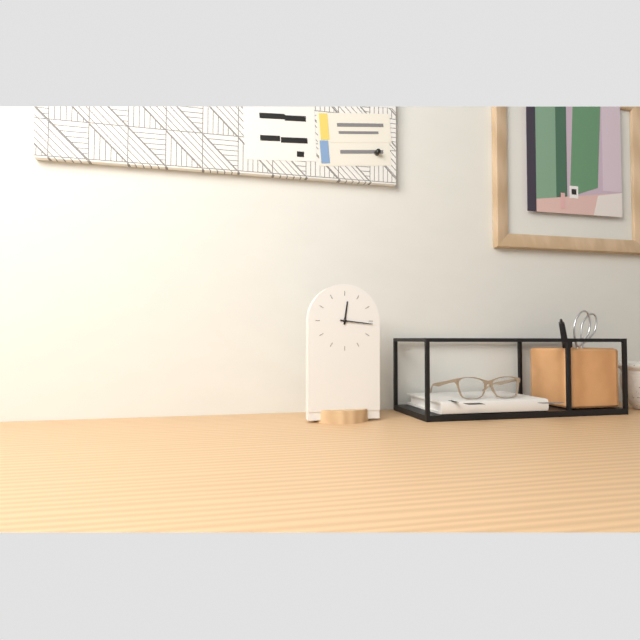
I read {"hour": 12, "minute": 16}
